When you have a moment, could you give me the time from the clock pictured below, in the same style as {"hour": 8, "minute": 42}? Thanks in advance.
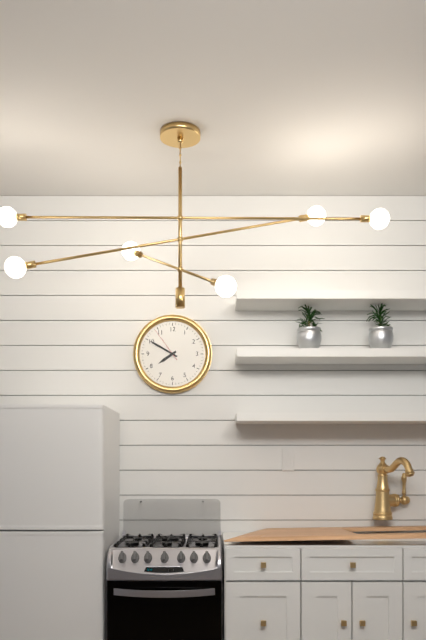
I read {"hour": 7, "minute": 50}
